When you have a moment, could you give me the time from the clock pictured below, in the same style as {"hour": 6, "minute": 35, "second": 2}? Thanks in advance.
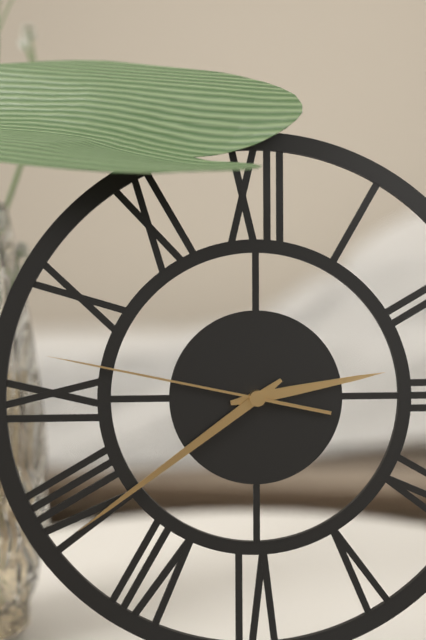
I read {"hour": 2, "minute": 39, "second": 47}
